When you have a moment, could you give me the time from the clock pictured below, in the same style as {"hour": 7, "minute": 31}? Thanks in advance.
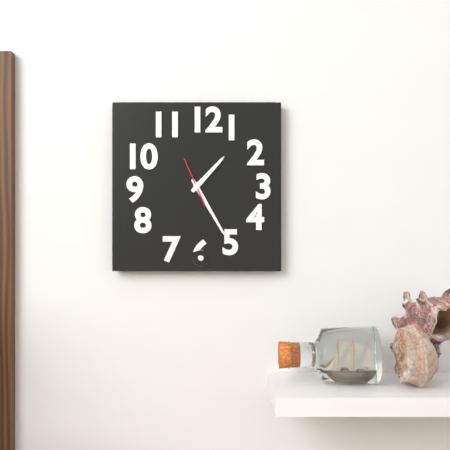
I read {"hour": 1, "minute": 25}
